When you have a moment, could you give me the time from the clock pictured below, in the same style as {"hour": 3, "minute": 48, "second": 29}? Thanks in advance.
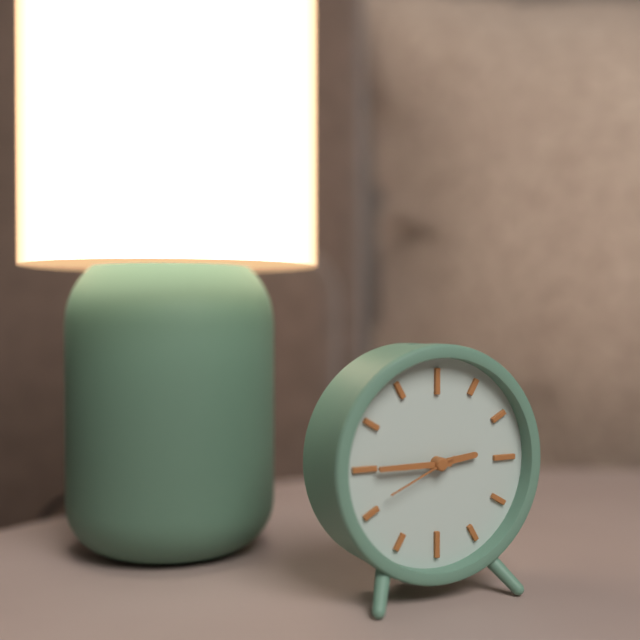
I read {"hour": 2, "minute": 45, "second": 41}
